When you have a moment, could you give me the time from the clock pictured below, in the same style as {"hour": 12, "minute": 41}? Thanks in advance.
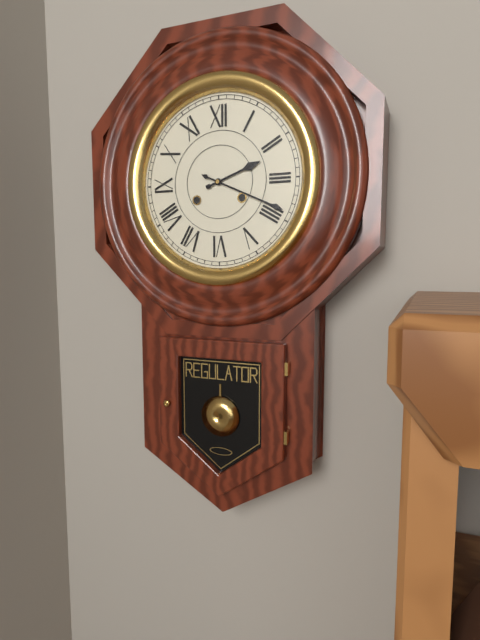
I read {"hour": 2, "minute": 19}
